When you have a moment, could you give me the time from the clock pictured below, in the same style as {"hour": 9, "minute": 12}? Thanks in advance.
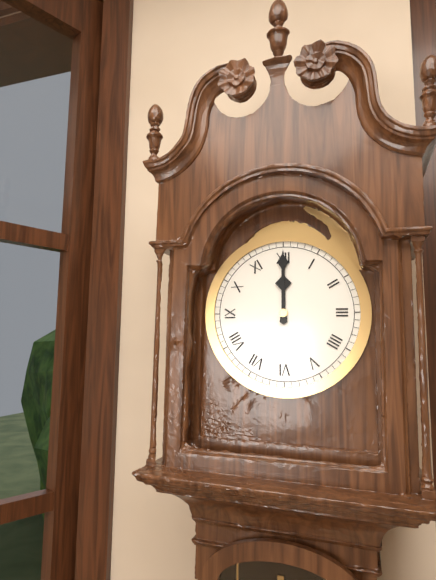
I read {"hour": 12, "minute": 0}
